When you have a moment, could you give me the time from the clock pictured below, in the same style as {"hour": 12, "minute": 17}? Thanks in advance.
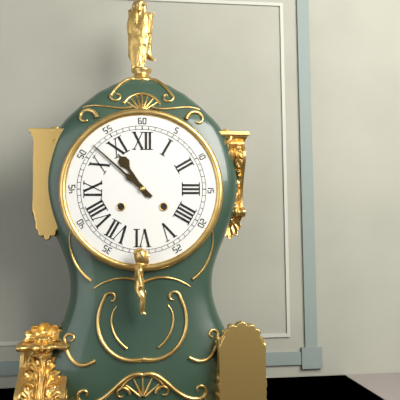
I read {"hour": 10, "minute": 52}
